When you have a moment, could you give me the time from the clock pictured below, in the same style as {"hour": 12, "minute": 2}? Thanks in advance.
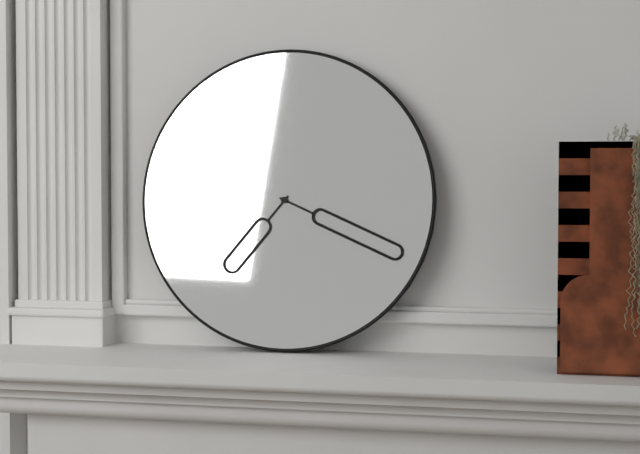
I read {"hour": 7, "minute": 19}
